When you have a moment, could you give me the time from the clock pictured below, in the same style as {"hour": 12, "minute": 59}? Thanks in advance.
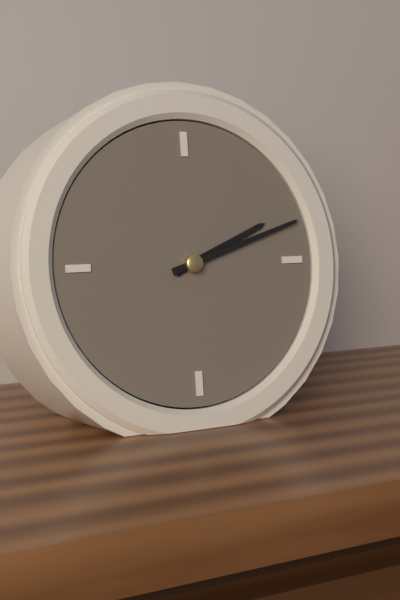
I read {"hour": 2, "minute": 12}
